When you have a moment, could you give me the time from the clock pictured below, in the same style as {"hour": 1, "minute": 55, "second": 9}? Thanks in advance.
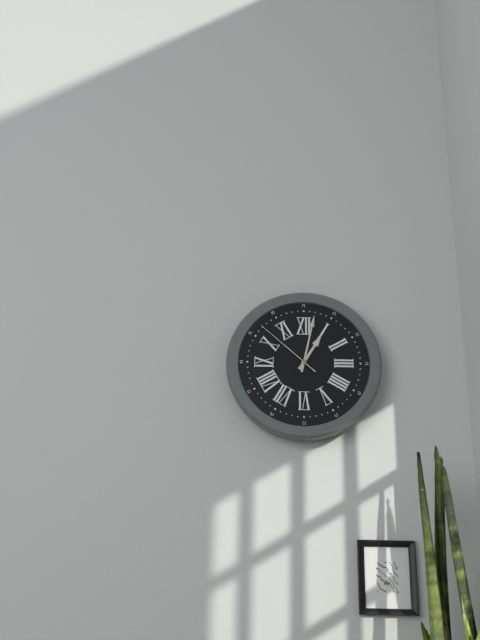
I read {"hour": 1, "minute": 2, "second": 52}
